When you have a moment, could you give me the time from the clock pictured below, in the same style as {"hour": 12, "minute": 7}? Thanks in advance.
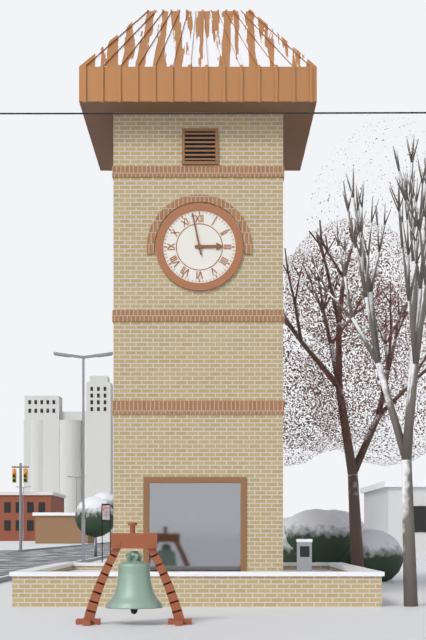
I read {"hour": 2, "minute": 58}
